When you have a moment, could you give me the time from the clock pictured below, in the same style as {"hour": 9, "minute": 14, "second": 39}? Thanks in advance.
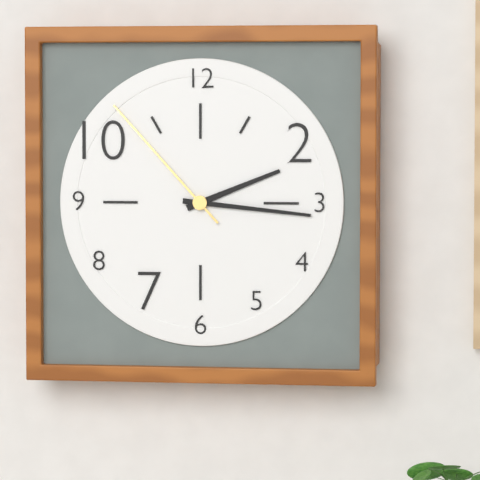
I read {"hour": 2, "minute": 16, "second": 53}
